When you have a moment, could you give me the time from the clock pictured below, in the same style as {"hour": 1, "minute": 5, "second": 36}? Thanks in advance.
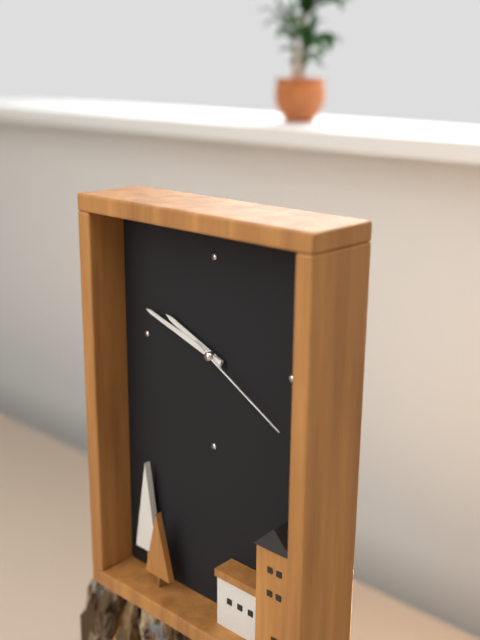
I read {"hour": 9, "minute": 48, "second": 20}
